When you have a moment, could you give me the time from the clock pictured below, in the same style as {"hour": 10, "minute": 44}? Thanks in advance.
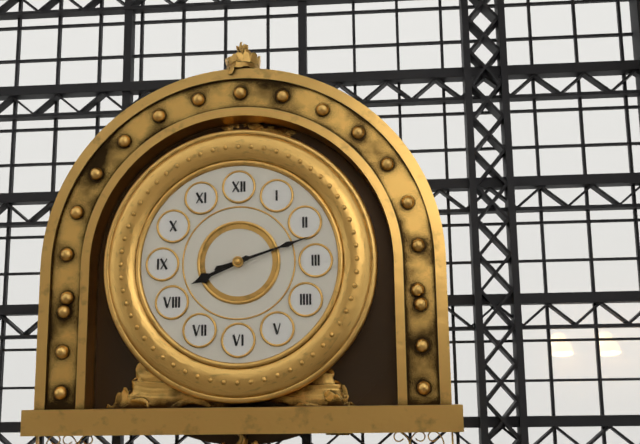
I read {"hour": 8, "minute": 12}
